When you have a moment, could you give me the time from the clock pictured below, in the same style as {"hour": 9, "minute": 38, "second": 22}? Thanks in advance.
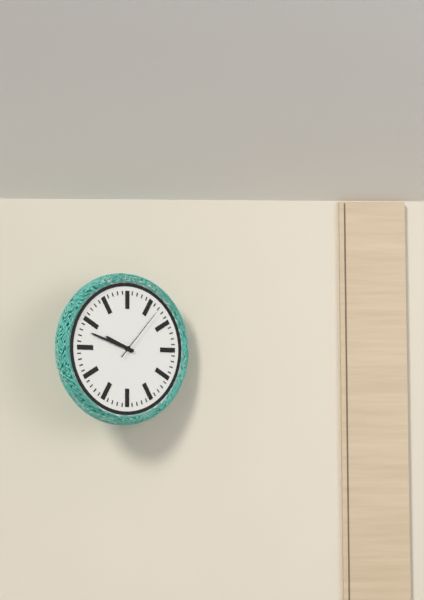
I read {"hour": 9, "minute": 48, "second": 7}
